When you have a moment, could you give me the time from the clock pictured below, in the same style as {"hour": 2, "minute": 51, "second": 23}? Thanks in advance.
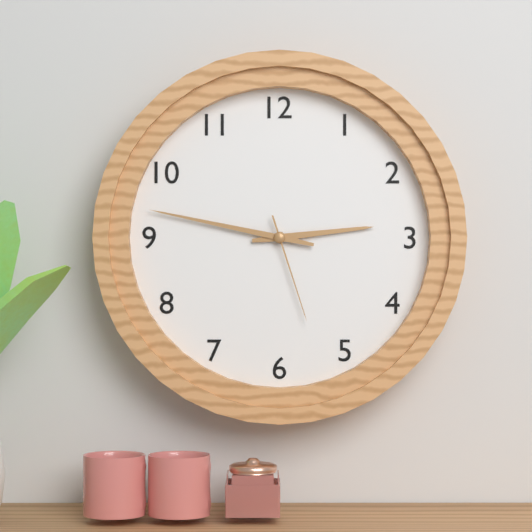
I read {"hour": 2, "minute": 47, "second": 27}
